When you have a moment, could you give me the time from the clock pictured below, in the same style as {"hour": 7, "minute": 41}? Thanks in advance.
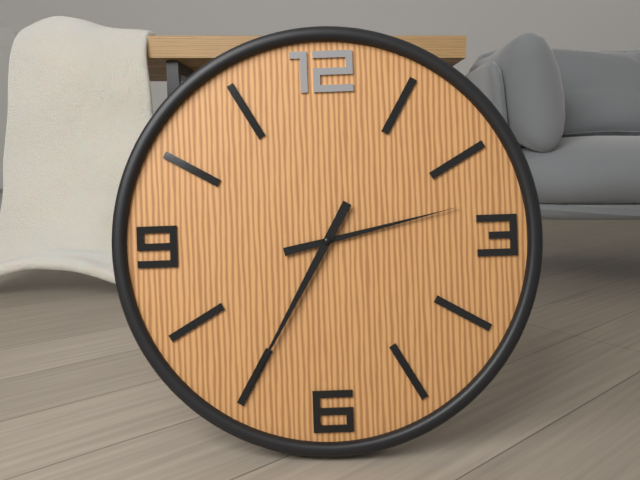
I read {"hour": 2, "minute": 35}
